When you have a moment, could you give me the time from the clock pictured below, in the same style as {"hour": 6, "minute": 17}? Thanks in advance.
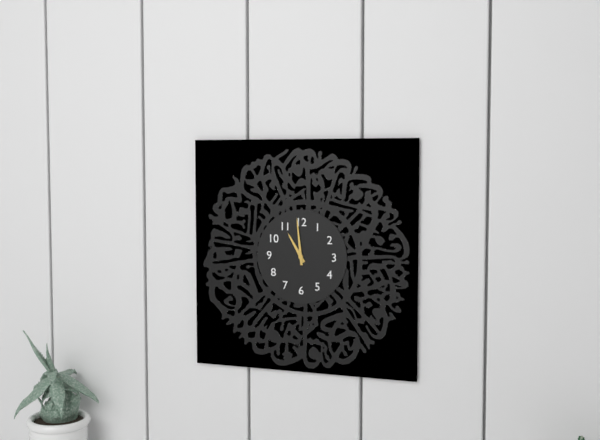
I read {"hour": 10, "minute": 59}
